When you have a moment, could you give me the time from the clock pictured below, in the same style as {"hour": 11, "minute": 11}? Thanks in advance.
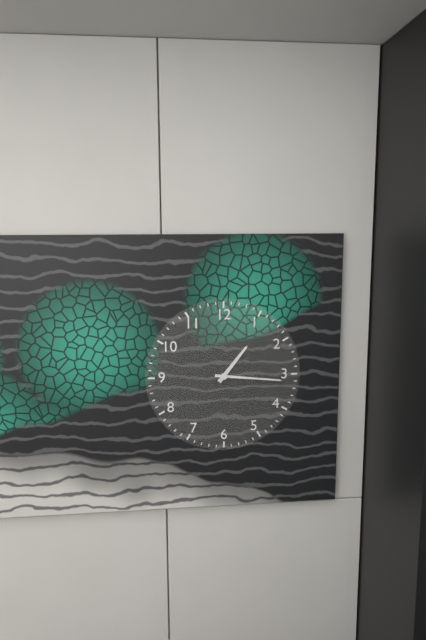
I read {"hour": 1, "minute": 16}
